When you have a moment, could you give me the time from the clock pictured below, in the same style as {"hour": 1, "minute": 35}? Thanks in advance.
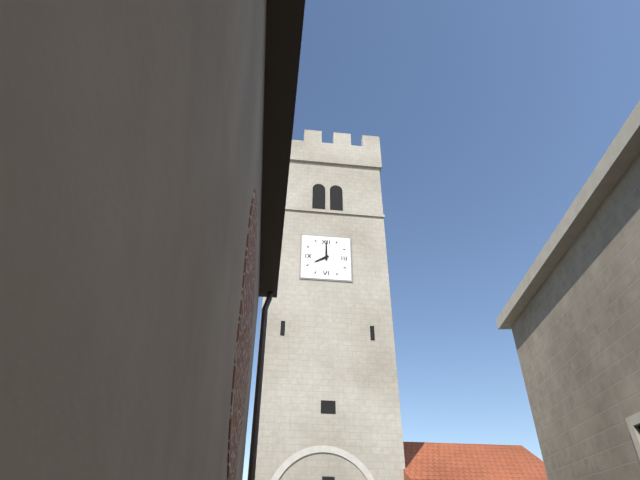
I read {"hour": 8, "minute": 0}
